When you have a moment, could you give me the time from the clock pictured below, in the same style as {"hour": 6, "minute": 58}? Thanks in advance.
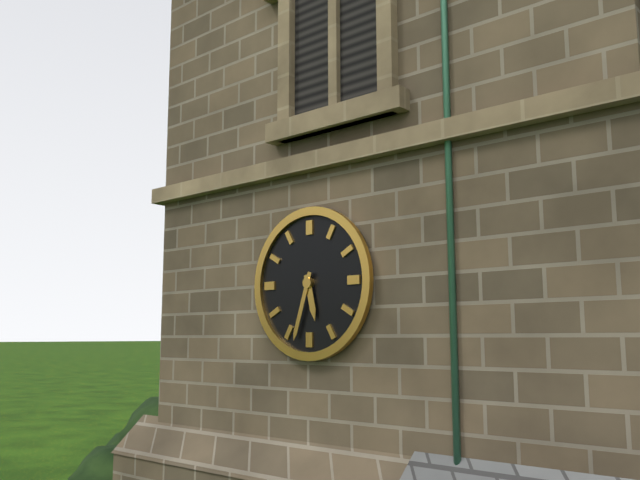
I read {"hour": 5, "minute": 33}
